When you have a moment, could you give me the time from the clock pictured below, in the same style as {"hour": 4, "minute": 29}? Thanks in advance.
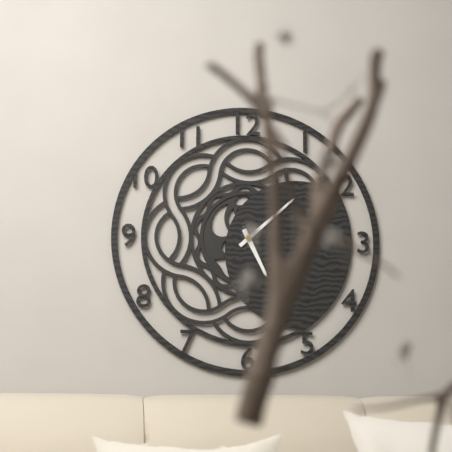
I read {"hour": 5, "minute": 8}
